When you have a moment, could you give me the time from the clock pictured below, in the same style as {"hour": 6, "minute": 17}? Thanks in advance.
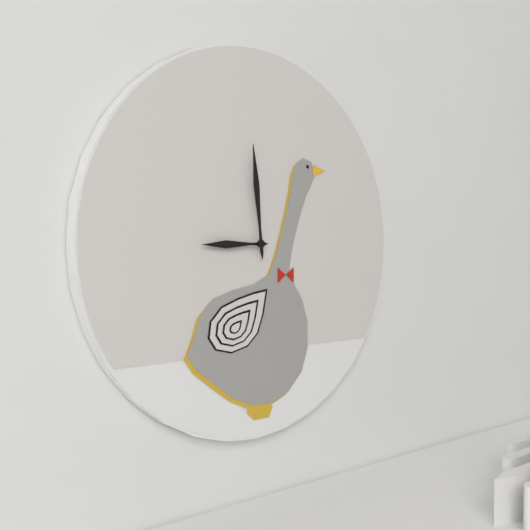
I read {"hour": 8, "minute": 59}
